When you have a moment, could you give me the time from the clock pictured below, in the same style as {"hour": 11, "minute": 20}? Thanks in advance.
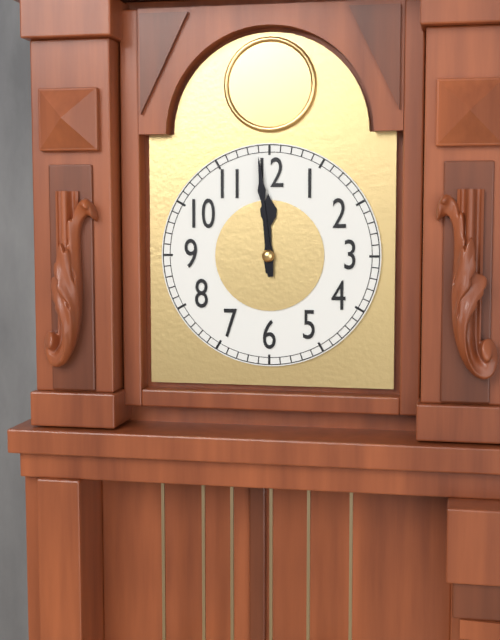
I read {"hour": 11, "minute": 59}
